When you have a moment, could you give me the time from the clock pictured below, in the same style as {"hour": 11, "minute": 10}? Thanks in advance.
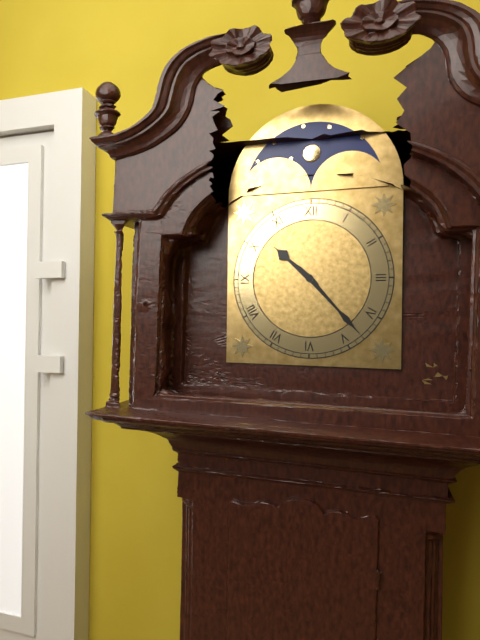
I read {"hour": 10, "minute": 23}
